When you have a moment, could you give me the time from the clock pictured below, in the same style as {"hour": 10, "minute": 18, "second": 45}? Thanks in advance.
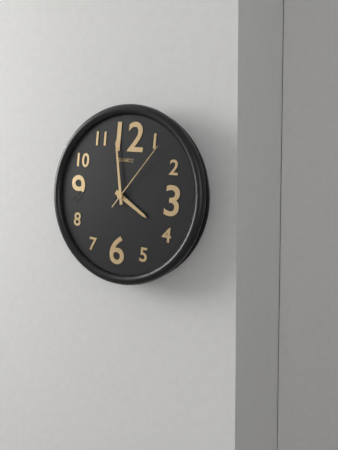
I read {"hour": 3, "minute": 58, "second": 6}
